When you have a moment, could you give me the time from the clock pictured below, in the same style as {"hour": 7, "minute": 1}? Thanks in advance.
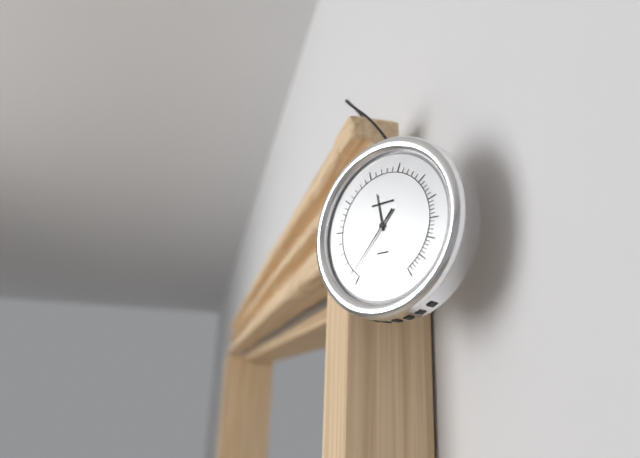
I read {"hour": 11, "minute": 37}
